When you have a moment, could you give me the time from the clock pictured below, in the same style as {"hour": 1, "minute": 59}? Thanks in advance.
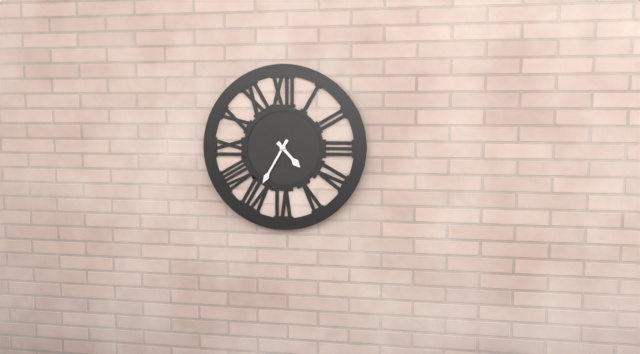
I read {"hour": 4, "minute": 35}
